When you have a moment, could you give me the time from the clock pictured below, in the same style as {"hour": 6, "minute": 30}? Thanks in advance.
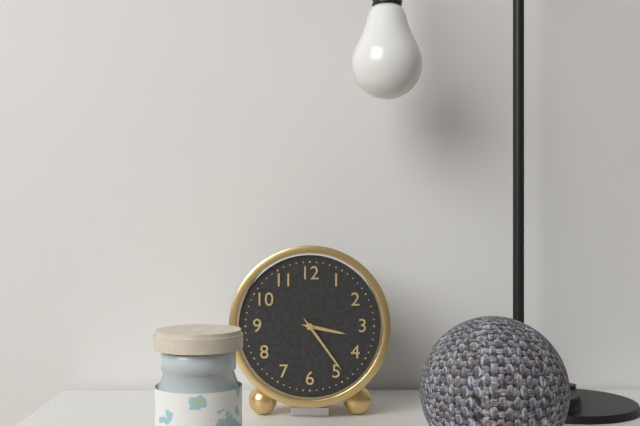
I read {"hour": 3, "minute": 24}
